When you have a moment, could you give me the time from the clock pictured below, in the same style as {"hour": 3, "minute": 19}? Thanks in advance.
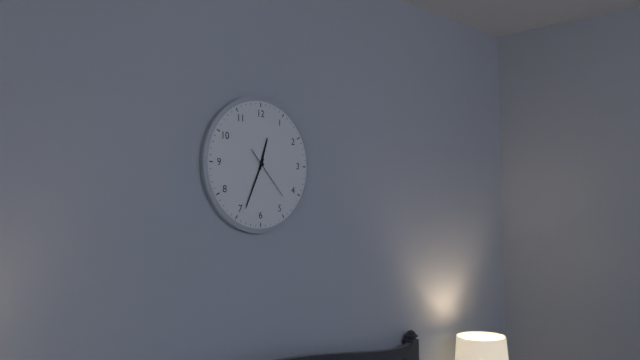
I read {"hour": 12, "minute": 34}
